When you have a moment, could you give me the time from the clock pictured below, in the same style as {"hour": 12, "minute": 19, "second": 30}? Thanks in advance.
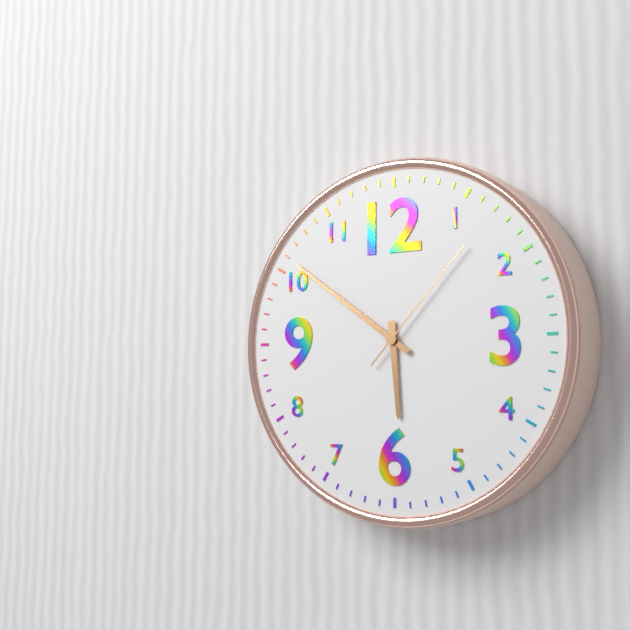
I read {"hour": 5, "minute": 51, "second": 7}
